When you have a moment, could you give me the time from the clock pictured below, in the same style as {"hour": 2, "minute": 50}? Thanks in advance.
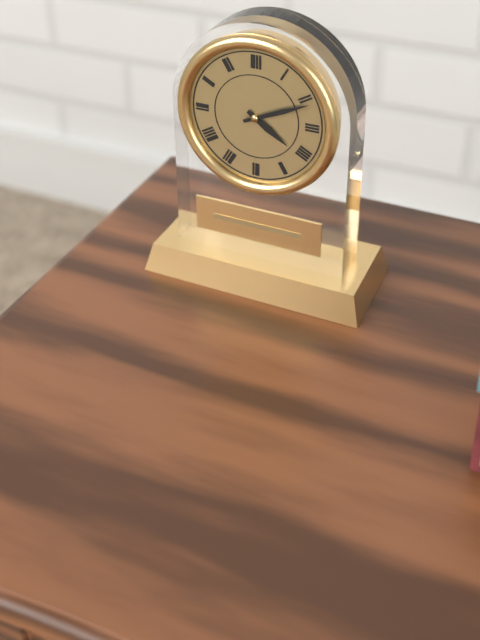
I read {"hour": 4, "minute": 11}
